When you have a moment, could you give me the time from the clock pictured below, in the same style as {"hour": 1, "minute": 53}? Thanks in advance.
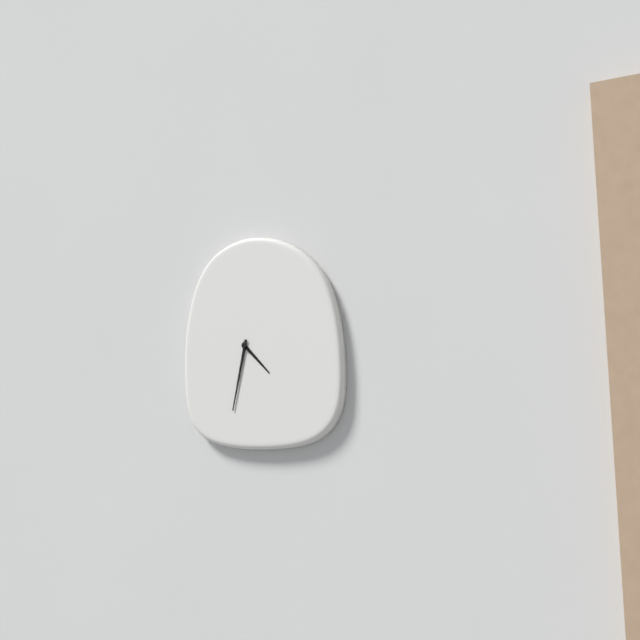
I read {"hour": 4, "minute": 32}
